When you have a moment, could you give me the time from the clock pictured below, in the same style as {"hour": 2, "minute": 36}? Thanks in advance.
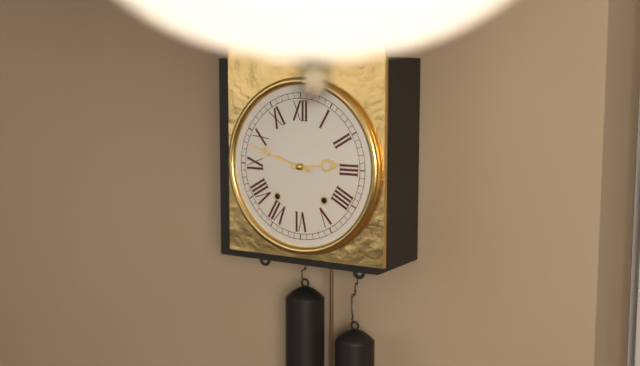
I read {"hour": 2, "minute": 48}
